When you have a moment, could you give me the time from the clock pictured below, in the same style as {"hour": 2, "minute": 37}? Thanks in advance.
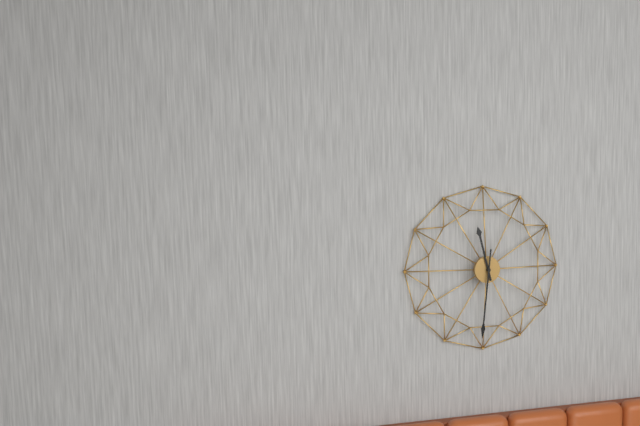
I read {"hour": 11, "minute": 31}
